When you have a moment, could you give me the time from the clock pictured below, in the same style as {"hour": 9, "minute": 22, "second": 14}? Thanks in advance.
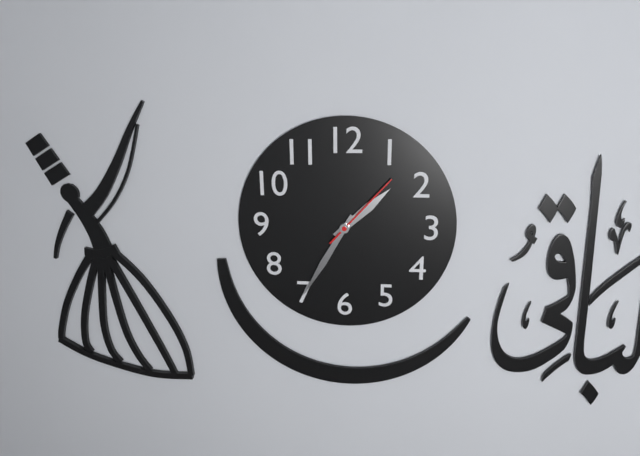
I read {"hour": 1, "minute": 35, "second": 7}
